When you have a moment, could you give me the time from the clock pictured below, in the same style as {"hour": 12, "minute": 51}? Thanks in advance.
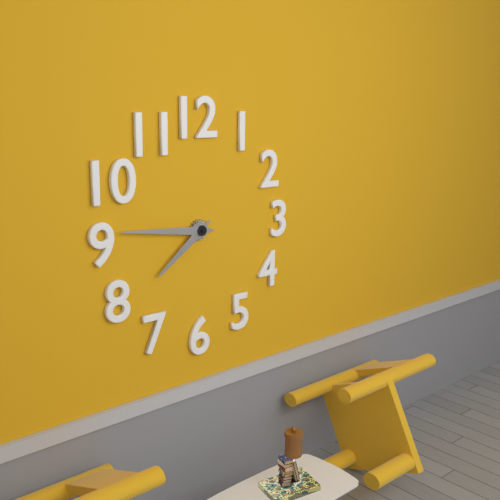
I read {"hour": 7, "minute": 46}
